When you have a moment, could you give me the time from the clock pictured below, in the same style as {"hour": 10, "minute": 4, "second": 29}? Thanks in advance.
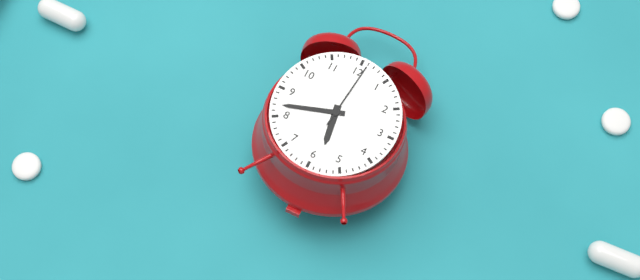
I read {"hour": 5, "minute": 42, "second": 1}
